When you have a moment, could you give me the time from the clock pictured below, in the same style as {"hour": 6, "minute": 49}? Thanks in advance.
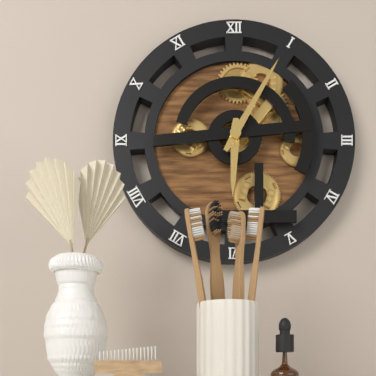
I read {"hour": 6, "minute": 5}
